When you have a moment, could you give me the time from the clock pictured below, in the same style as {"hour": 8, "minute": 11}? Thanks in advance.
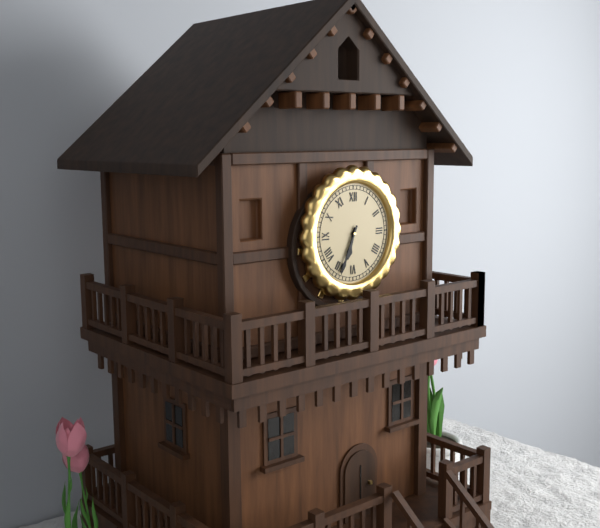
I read {"hour": 6, "minute": 34}
